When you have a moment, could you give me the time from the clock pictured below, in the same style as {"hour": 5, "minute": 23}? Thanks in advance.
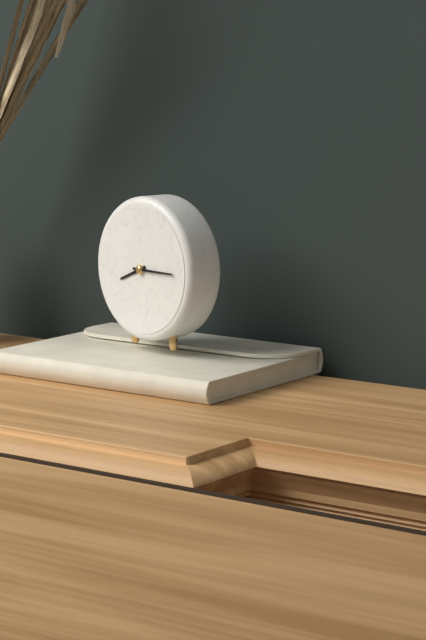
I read {"hour": 8, "minute": 15}
